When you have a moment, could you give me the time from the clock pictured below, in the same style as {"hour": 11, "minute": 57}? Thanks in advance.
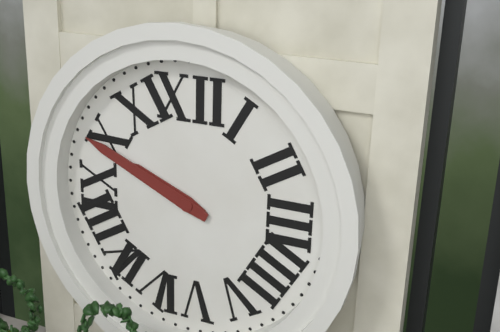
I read {"hour": 9, "minute": 49}
